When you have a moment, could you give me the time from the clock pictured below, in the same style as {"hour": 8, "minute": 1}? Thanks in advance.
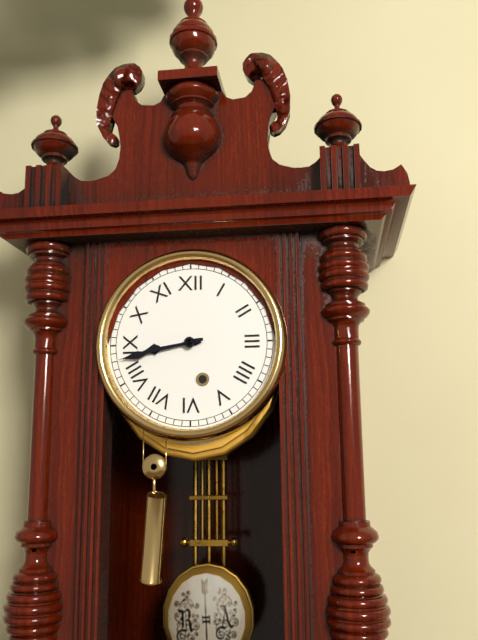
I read {"hour": 8, "minute": 43}
